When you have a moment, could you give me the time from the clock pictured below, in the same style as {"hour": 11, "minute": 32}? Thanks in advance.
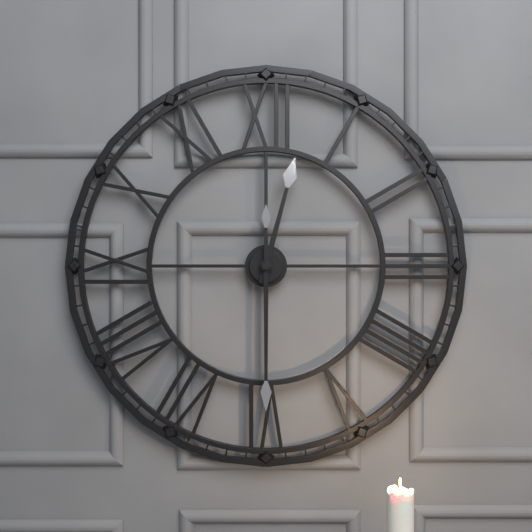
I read {"hour": 12, "minute": 30}
